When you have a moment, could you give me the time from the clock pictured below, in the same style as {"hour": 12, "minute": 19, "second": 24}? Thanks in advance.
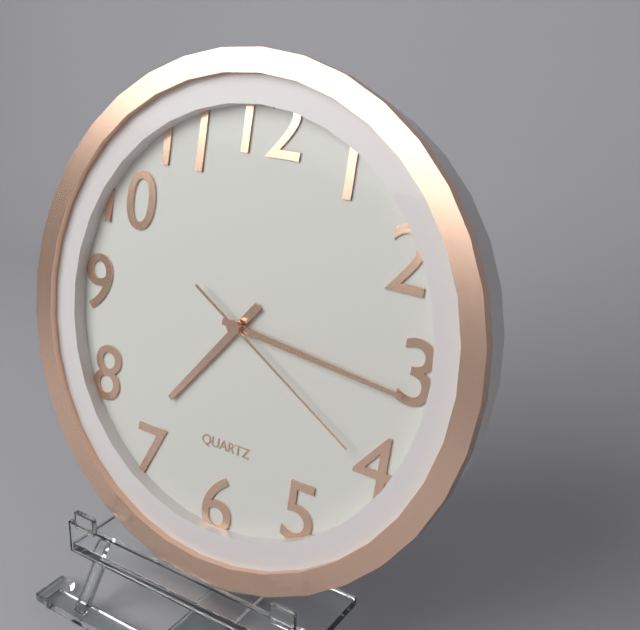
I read {"hour": 7, "minute": 16, "second": 20}
